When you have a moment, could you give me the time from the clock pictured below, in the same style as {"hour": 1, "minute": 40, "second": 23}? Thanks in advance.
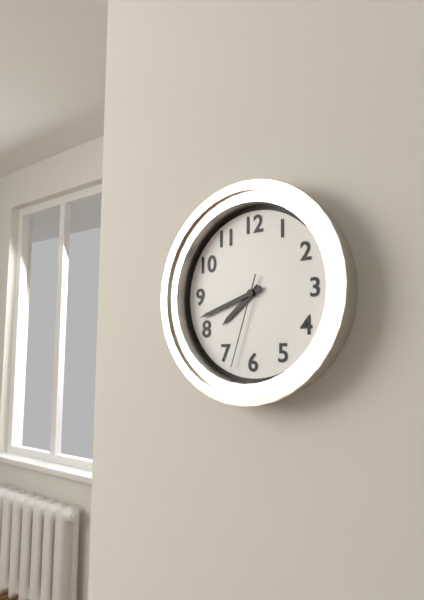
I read {"hour": 7, "minute": 42, "second": 33}
